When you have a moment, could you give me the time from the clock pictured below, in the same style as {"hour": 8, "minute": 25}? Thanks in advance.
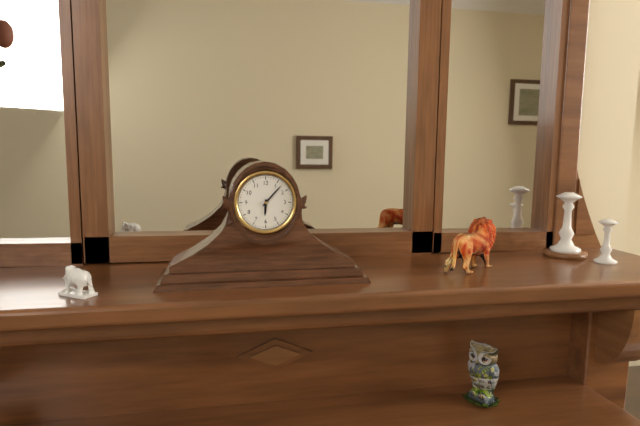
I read {"hour": 6, "minute": 7}
